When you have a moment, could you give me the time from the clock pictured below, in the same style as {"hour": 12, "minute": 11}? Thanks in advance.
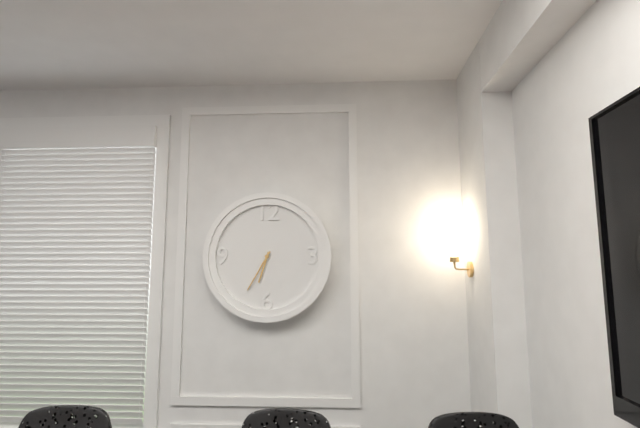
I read {"hour": 6, "minute": 35}
